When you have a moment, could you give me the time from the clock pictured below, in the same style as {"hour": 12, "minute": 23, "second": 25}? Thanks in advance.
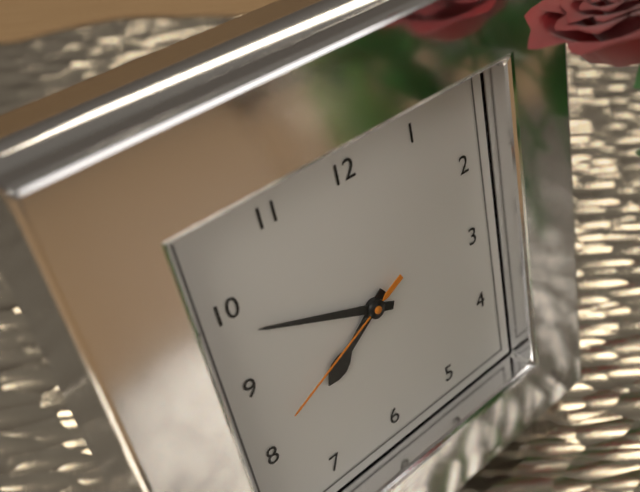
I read {"hour": 7, "minute": 49, "second": 41}
